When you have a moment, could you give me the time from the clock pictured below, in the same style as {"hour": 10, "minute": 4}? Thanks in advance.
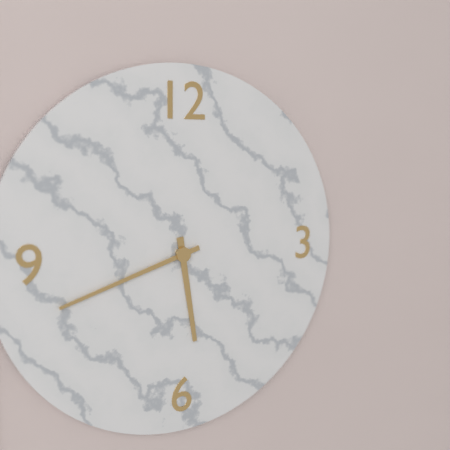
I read {"hour": 5, "minute": 42}
